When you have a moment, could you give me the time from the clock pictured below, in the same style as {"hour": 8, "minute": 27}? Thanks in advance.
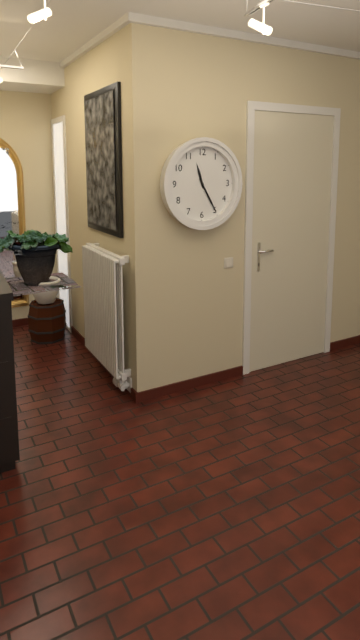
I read {"hour": 11, "minute": 25}
